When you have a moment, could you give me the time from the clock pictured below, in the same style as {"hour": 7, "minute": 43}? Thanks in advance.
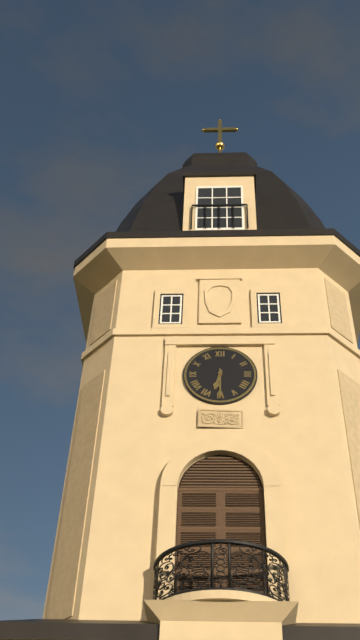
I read {"hour": 6, "minute": 30}
